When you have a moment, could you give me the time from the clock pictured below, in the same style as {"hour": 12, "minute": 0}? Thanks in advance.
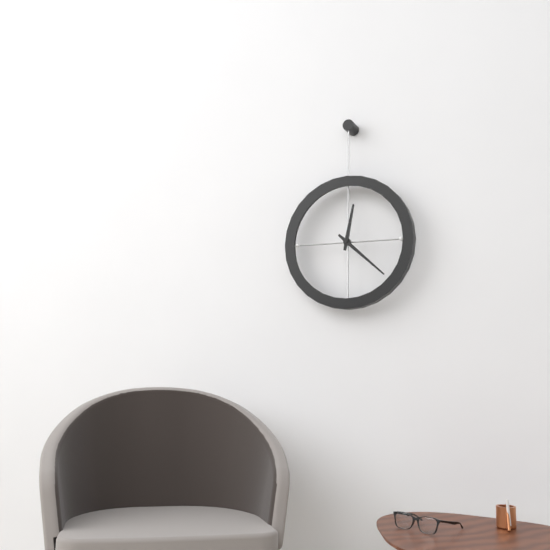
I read {"hour": 12, "minute": 22}
